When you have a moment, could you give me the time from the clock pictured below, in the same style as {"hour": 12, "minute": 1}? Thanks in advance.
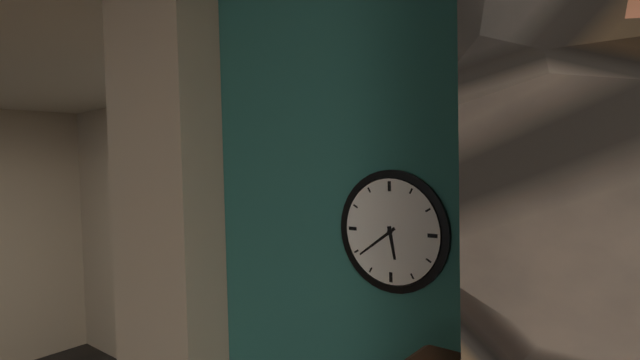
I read {"hour": 5, "minute": 39}
